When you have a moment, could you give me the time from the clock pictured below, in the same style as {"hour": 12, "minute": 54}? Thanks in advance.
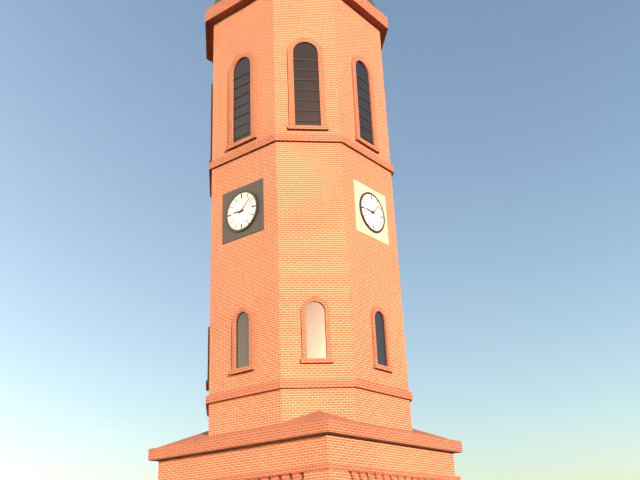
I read {"hour": 9, "minute": 8}
